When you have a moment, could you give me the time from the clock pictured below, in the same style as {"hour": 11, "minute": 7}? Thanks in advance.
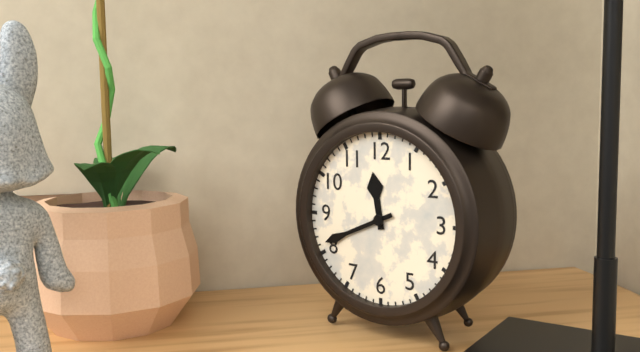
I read {"hour": 11, "minute": 41}
